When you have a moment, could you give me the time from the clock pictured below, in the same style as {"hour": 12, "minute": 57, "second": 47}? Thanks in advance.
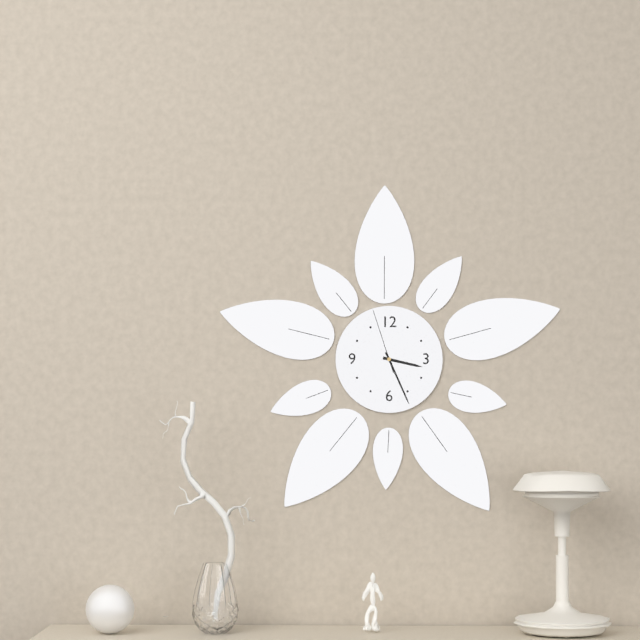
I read {"hour": 3, "minute": 26, "second": 57}
